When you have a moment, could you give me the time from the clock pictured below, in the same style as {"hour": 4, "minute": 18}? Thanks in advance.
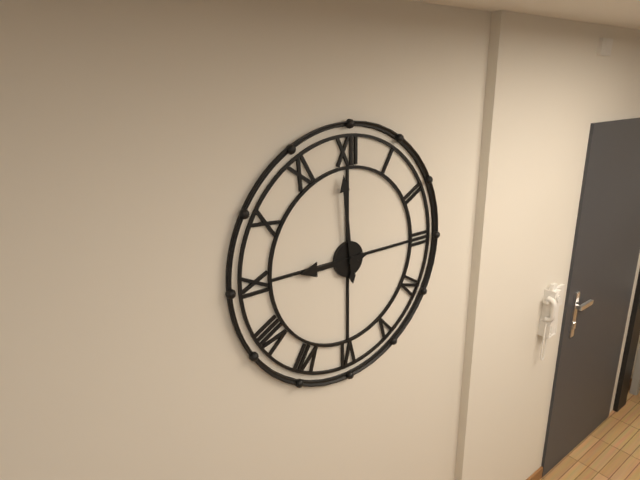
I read {"hour": 8, "minute": 59}
